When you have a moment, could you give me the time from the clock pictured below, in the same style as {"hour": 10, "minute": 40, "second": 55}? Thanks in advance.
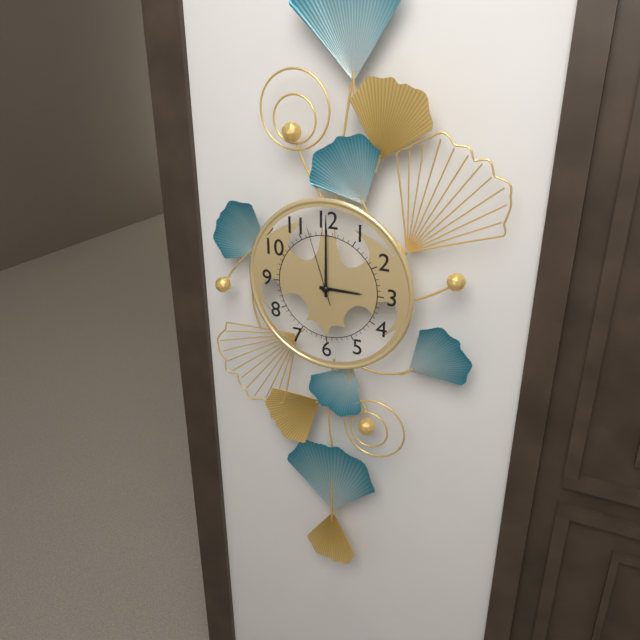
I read {"hour": 3, "minute": 0, "second": 57}
